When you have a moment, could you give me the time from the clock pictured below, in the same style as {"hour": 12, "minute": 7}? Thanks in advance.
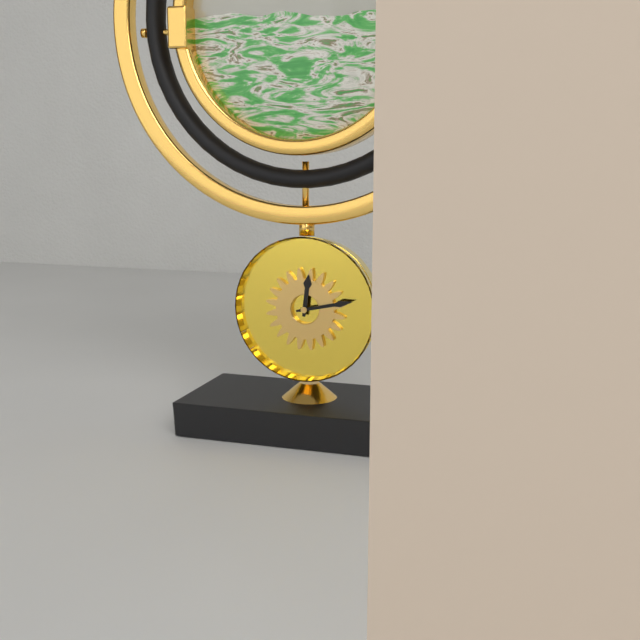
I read {"hour": 12, "minute": 13}
